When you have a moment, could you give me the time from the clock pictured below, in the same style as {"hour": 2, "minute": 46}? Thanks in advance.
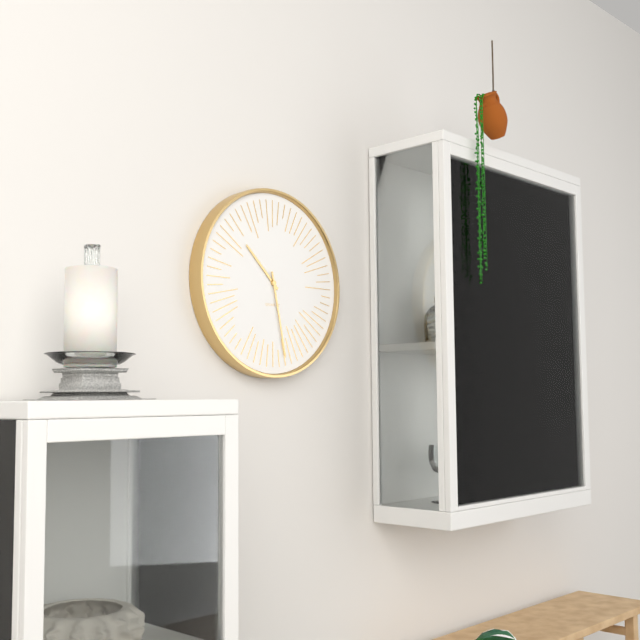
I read {"hour": 10, "minute": 28}
